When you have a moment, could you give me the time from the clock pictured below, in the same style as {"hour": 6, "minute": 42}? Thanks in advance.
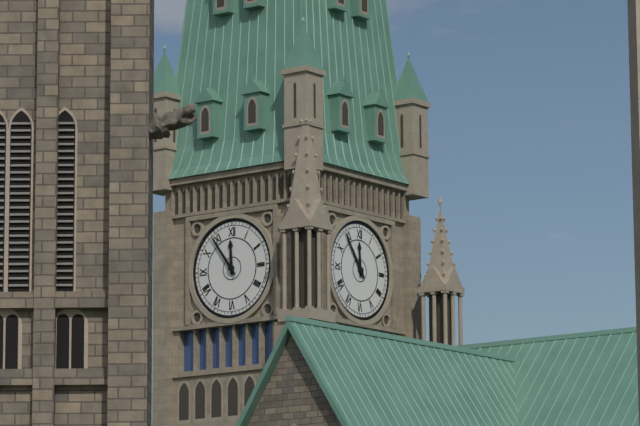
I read {"hour": 11, "minute": 54}
